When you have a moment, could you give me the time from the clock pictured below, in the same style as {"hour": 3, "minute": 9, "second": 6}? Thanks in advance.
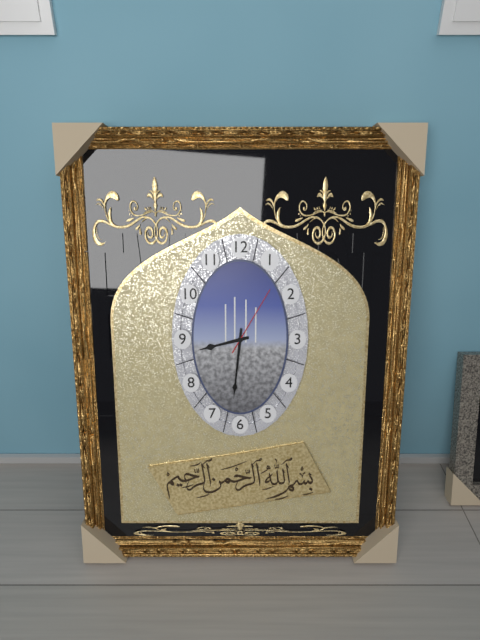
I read {"hour": 8, "minute": 31, "second": 5}
